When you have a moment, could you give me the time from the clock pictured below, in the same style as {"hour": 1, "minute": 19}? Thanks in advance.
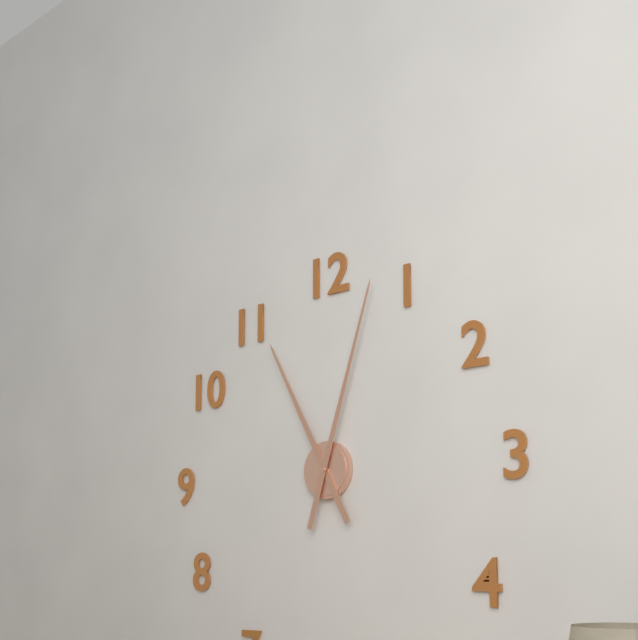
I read {"hour": 11, "minute": 3}
